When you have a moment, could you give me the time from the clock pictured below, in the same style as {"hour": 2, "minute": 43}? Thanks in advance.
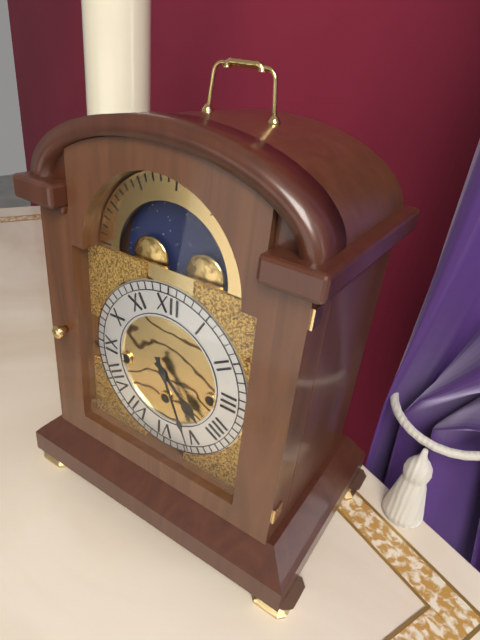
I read {"hour": 4, "minute": 26}
